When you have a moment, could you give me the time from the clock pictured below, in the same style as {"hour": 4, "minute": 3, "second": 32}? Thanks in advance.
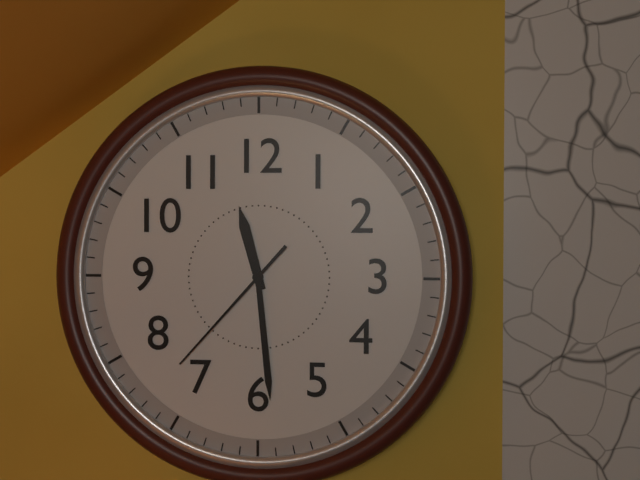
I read {"hour": 11, "minute": 29, "second": 37}
